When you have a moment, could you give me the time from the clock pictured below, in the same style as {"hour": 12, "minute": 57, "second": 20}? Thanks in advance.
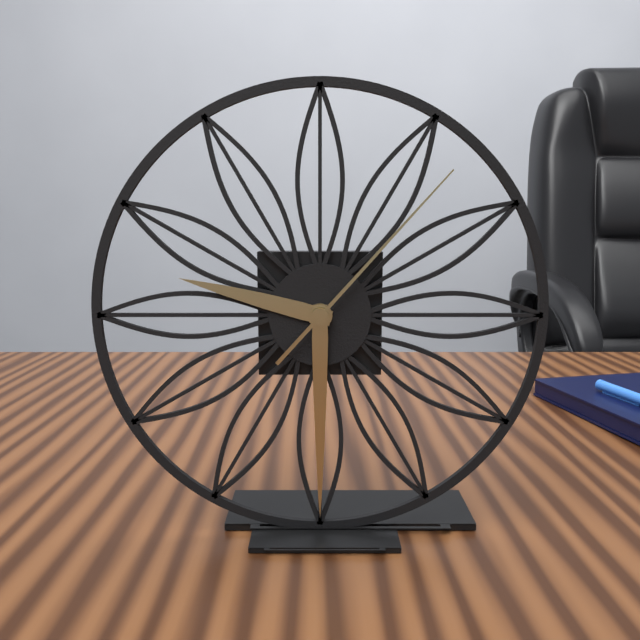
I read {"hour": 9, "minute": 30, "second": 7}
